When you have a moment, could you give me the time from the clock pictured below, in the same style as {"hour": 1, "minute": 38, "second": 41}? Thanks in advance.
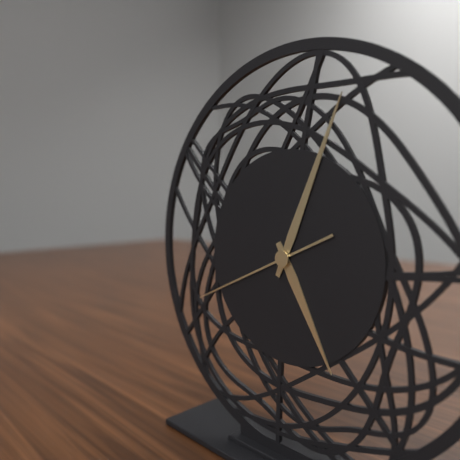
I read {"hour": 5, "minute": 4, "second": 41}
